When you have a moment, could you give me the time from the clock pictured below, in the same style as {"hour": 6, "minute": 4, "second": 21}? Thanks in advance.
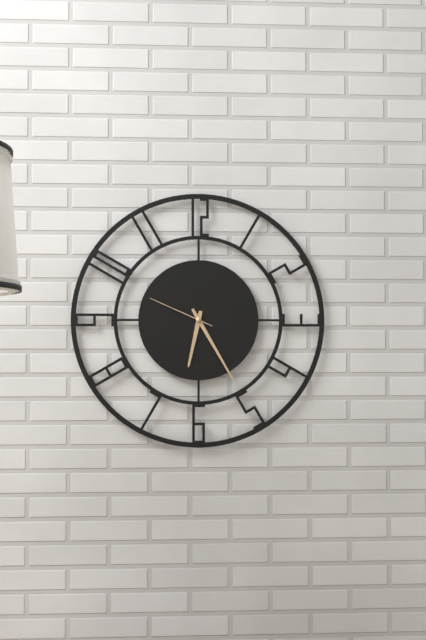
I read {"hour": 6, "minute": 25, "second": 49}
